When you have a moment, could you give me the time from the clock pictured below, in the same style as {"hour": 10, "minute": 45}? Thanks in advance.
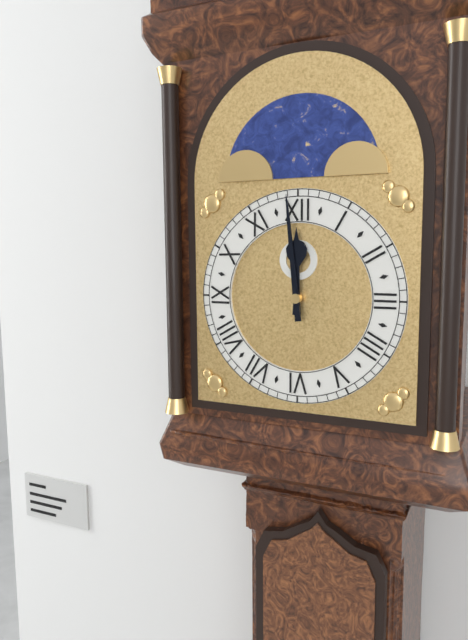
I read {"hour": 11, "minute": 59}
